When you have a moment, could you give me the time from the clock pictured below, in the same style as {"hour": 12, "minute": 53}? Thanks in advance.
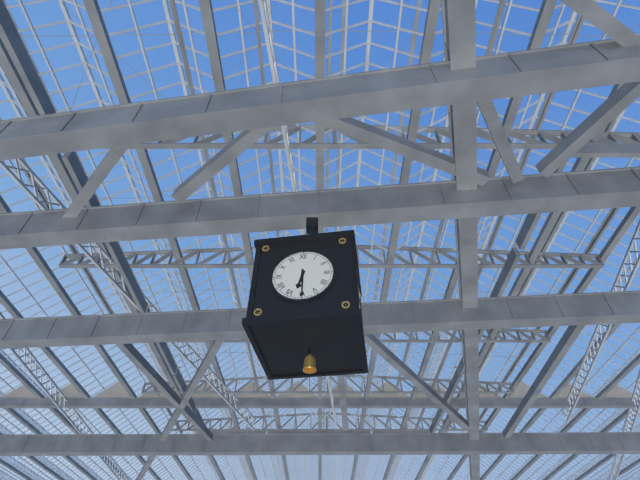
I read {"hour": 6, "minute": 30}
